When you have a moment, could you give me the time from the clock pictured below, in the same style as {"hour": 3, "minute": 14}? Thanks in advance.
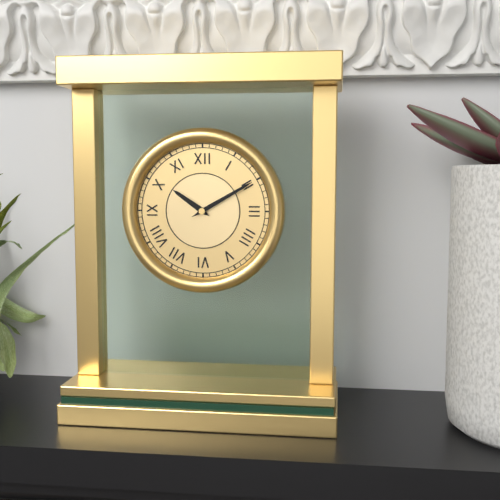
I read {"hour": 10, "minute": 10}
